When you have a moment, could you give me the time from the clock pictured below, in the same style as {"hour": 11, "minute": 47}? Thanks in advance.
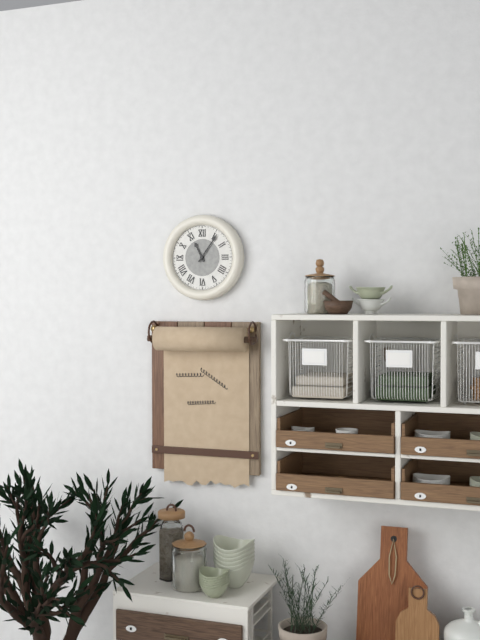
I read {"hour": 11, "minute": 6}
